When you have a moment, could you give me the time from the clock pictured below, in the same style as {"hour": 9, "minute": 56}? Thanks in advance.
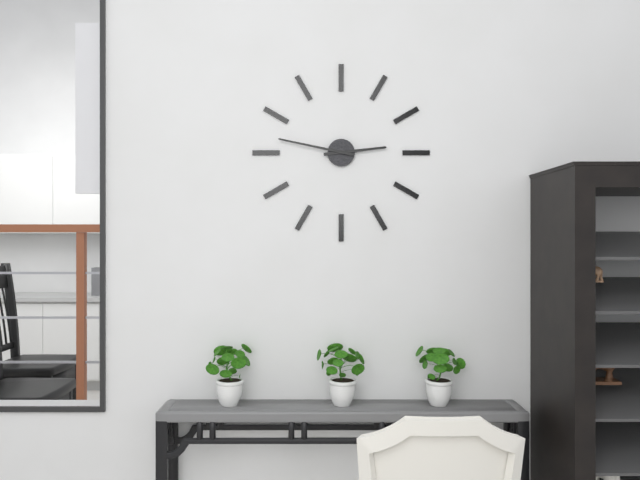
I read {"hour": 2, "minute": 47}
